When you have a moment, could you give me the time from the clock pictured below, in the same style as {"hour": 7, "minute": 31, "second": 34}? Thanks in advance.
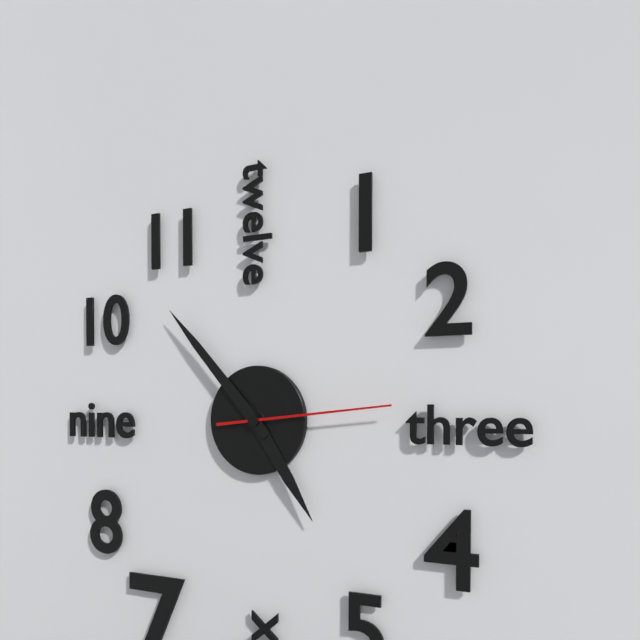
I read {"hour": 4, "minute": 53, "second": 14}
